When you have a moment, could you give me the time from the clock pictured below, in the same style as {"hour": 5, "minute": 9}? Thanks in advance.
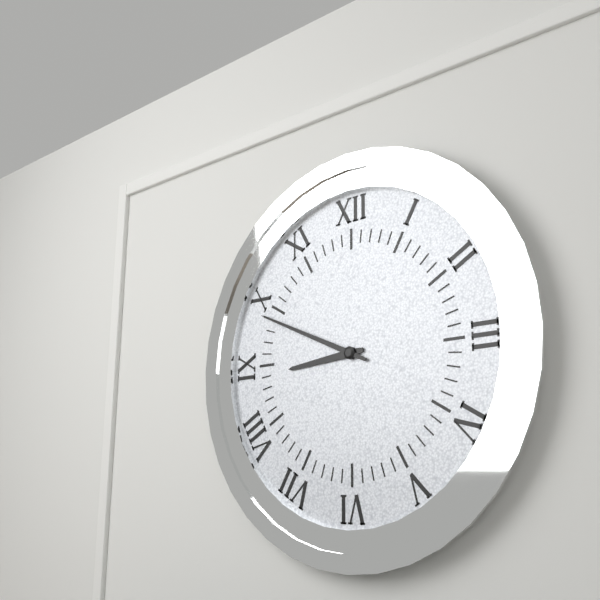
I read {"hour": 8, "minute": 49}
